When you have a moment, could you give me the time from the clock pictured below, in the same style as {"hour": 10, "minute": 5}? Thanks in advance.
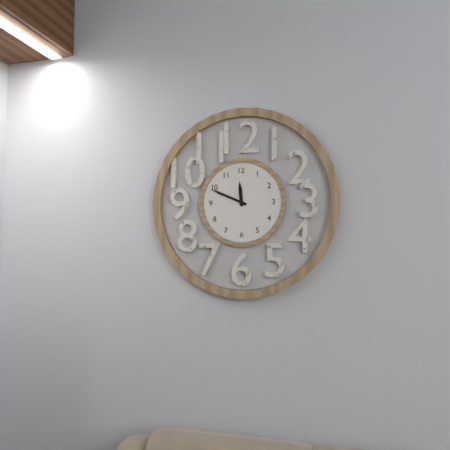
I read {"hour": 11, "minute": 49}
